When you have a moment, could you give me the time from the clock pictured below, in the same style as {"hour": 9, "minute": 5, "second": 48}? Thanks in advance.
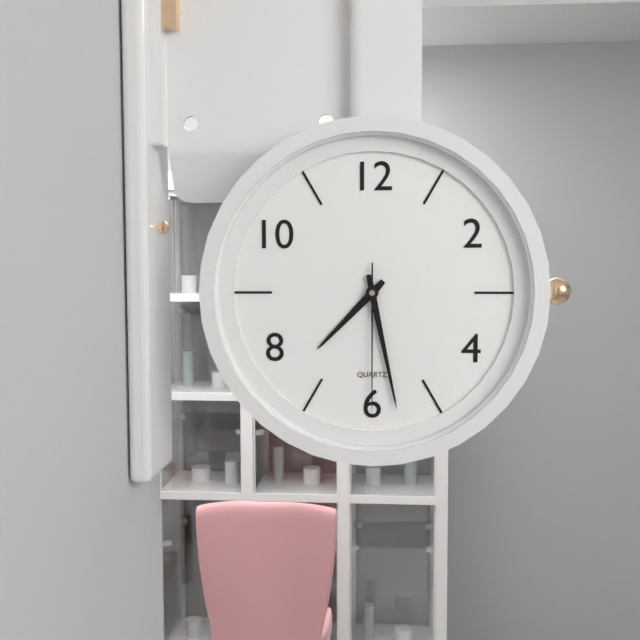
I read {"hour": 7, "minute": 28, "second": 30}
